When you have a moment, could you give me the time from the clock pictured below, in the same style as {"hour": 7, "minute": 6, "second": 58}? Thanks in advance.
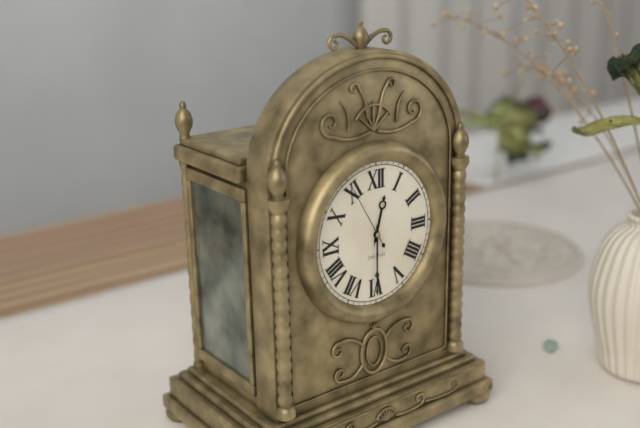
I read {"hour": 12, "minute": 30, "second": 55}
